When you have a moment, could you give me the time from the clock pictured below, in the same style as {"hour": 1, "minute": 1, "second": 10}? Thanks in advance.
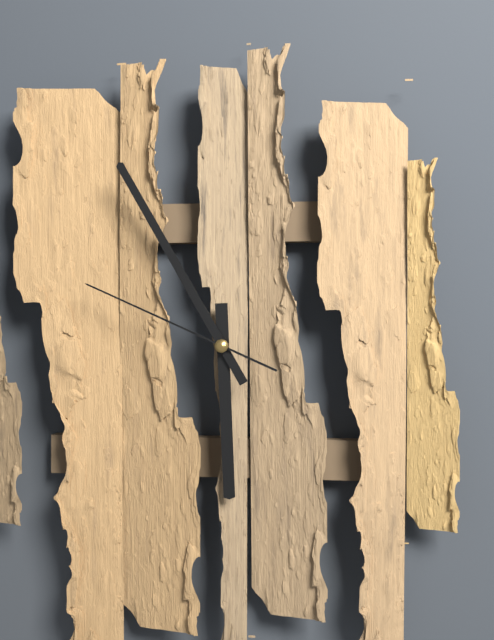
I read {"hour": 5, "minute": 55, "second": 49}
